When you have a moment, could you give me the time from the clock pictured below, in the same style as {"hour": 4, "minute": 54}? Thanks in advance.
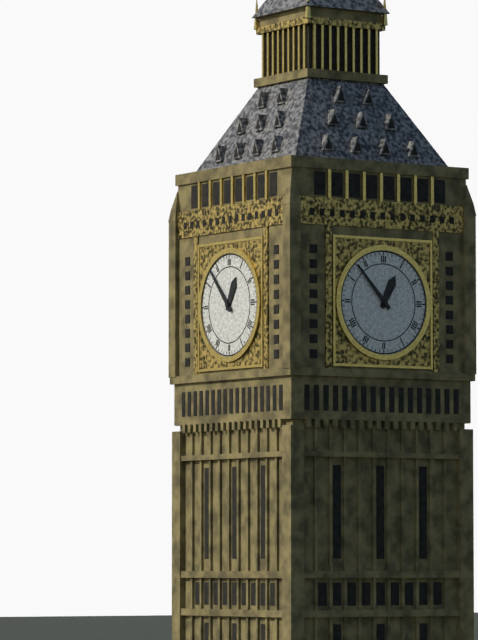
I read {"hour": 12, "minute": 53}
